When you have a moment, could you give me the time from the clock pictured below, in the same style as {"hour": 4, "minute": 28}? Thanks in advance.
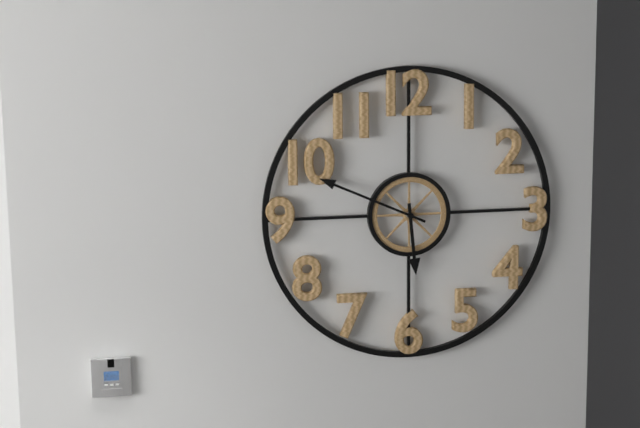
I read {"hour": 5, "minute": 49}
